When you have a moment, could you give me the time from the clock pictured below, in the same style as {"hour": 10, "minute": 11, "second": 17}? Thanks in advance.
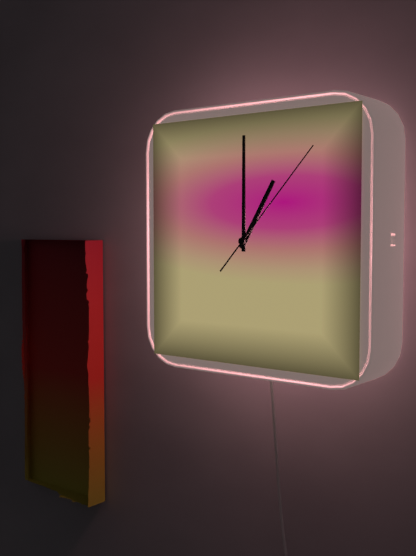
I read {"hour": 1, "minute": 0, "second": 7}
